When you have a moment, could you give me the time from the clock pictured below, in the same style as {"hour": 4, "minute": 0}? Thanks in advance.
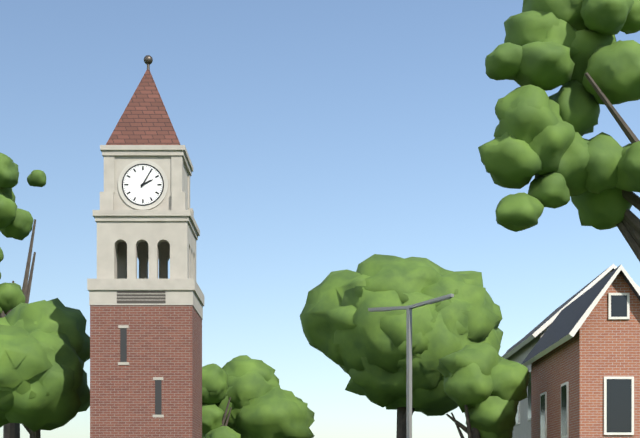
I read {"hour": 2, "minute": 5}
